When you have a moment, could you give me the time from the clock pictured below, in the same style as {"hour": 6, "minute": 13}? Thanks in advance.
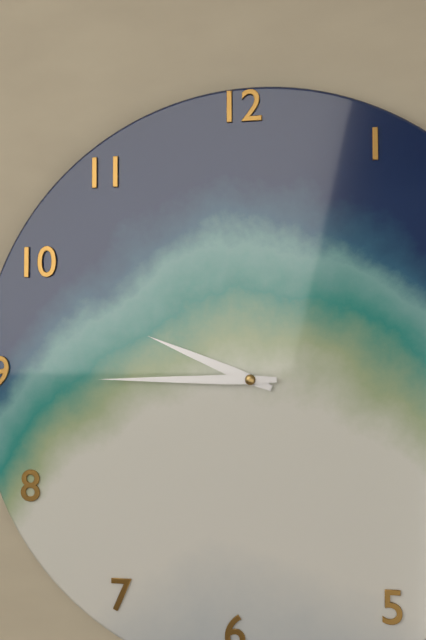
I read {"hour": 9, "minute": 45}
